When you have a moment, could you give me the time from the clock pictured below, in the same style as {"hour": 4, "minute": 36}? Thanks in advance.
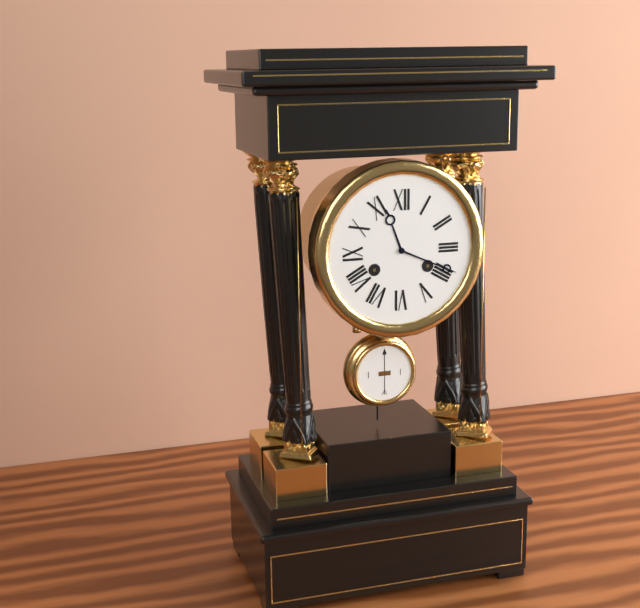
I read {"hour": 11, "minute": 19}
